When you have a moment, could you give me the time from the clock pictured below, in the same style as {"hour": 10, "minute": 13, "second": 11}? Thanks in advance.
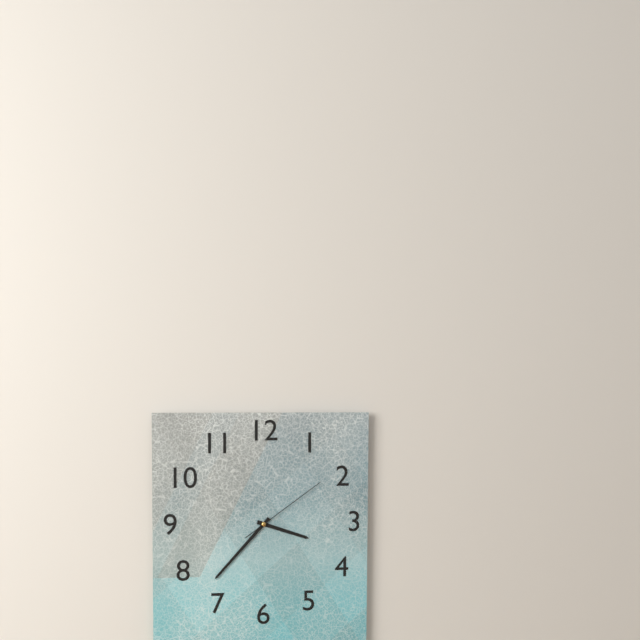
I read {"hour": 3, "minute": 37, "second": 9}
